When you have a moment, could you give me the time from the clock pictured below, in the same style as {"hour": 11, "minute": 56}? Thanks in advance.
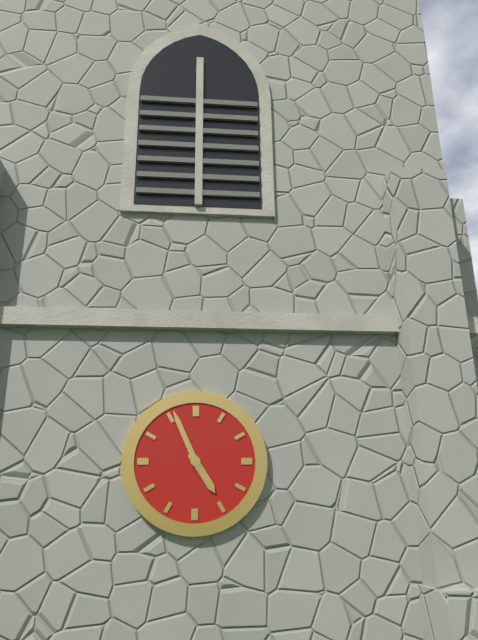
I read {"hour": 4, "minute": 56}
